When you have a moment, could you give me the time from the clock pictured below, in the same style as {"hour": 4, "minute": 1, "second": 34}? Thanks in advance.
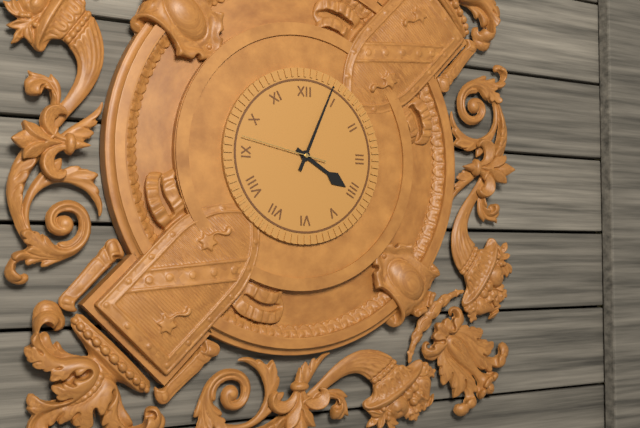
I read {"hour": 4, "minute": 4, "second": 47}
